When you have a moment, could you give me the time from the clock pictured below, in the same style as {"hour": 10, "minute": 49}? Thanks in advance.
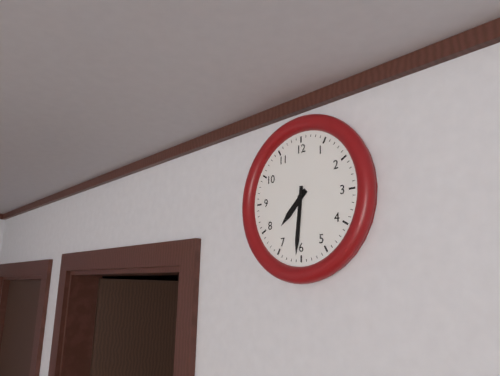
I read {"hour": 7, "minute": 31}
